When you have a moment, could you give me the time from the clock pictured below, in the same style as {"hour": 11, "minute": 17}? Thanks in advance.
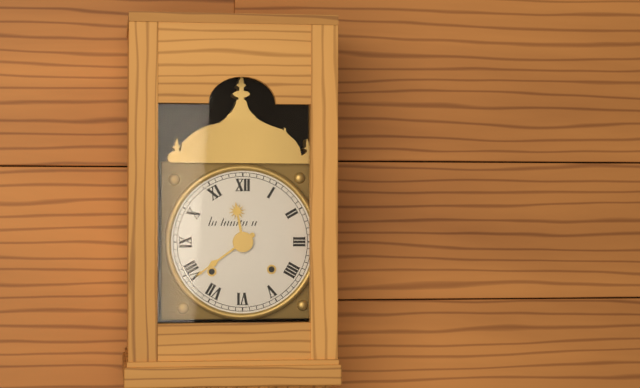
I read {"hour": 11, "minute": 39}
